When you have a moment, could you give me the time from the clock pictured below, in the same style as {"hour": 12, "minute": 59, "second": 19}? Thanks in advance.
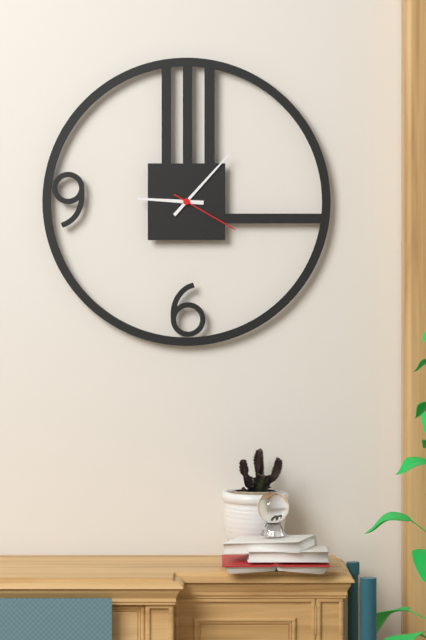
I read {"hour": 9, "minute": 7, "second": 20}
